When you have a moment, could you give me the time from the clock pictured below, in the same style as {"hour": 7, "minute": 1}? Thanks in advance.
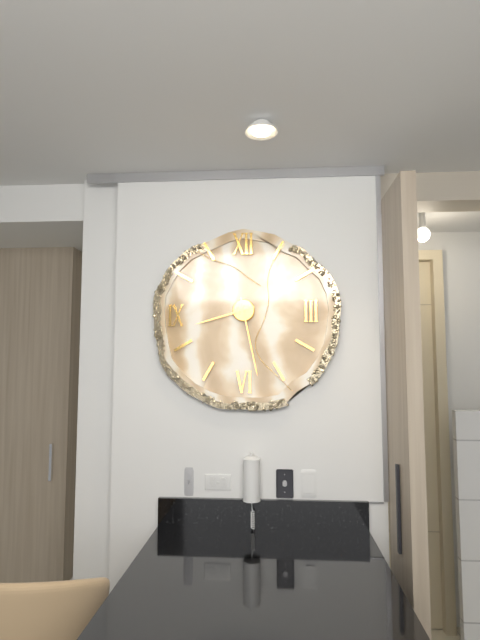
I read {"hour": 8, "minute": 28}
